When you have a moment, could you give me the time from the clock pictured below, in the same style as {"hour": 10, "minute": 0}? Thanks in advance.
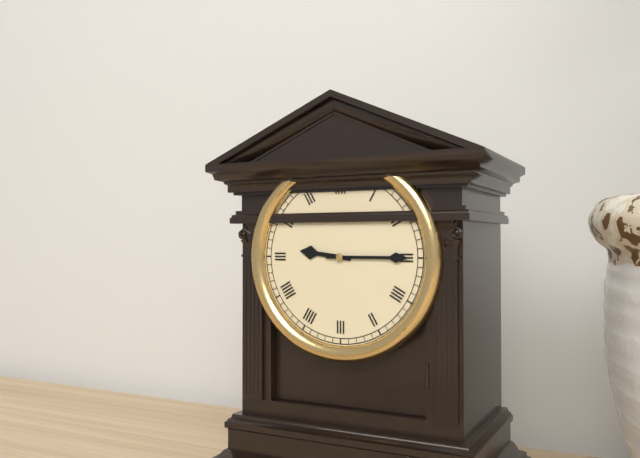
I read {"hour": 9, "minute": 15}
